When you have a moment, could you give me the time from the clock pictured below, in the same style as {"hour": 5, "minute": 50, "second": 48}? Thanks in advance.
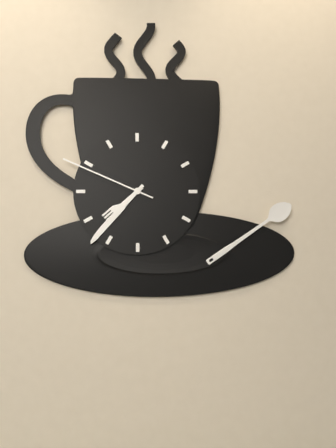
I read {"hour": 7, "minute": 37, "second": 49}
